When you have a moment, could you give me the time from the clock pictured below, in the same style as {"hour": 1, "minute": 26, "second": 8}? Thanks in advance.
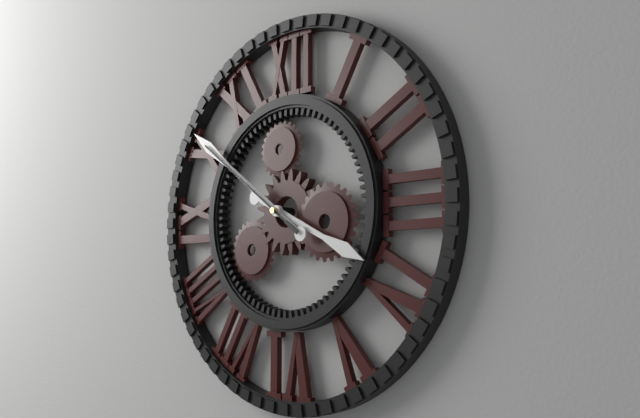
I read {"hour": 3, "minute": 51, "second": 51}
